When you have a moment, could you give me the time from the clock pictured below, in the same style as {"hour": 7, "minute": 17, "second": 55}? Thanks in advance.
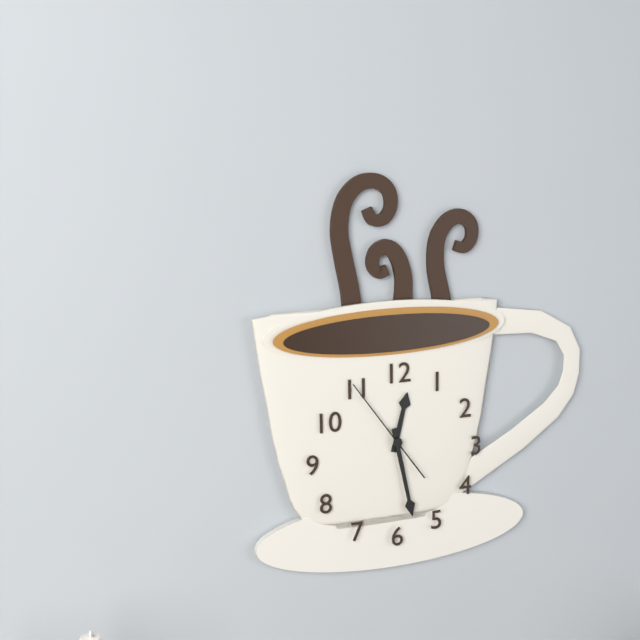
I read {"hour": 12, "minute": 28, "second": 54}
